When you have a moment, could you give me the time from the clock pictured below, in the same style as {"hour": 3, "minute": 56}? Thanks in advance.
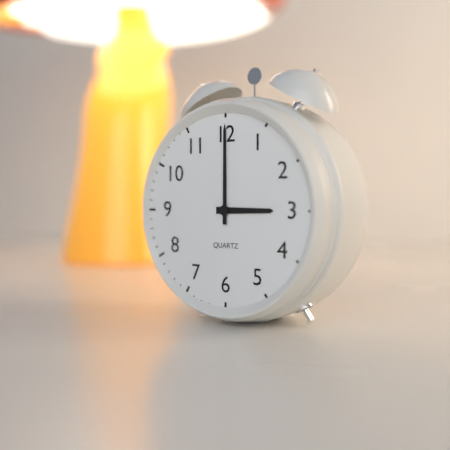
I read {"hour": 3, "minute": 0}
